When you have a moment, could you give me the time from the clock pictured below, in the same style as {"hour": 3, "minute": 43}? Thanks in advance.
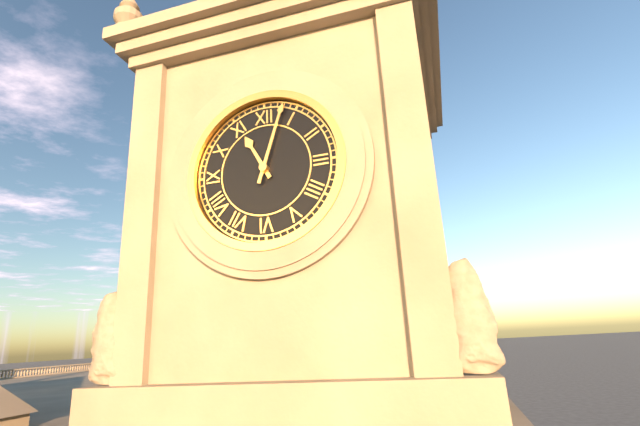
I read {"hour": 11, "minute": 3}
